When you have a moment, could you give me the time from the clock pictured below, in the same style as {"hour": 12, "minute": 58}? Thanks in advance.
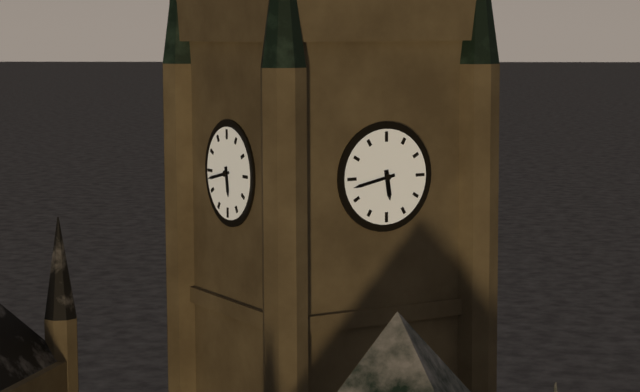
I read {"hour": 5, "minute": 43}
